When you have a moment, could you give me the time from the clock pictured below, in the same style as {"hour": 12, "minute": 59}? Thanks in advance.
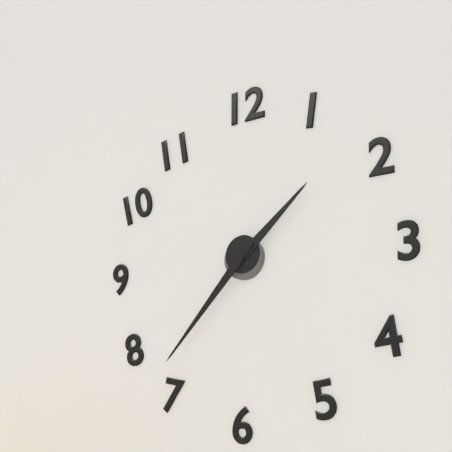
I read {"hour": 1, "minute": 37}
